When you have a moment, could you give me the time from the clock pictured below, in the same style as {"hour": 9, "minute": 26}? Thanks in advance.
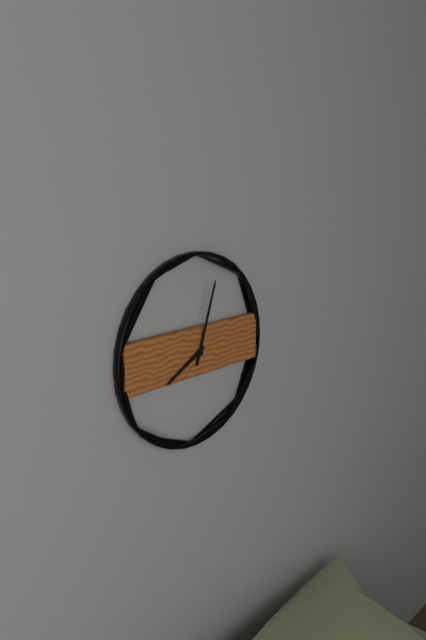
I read {"hour": 8, "minute": 3}
